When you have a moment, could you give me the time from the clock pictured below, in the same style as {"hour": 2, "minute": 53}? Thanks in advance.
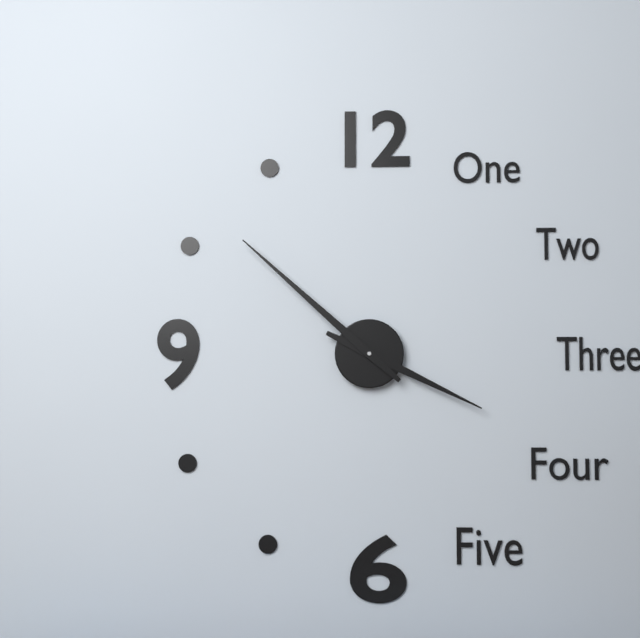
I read {"hour": 3, "minute": 52}
